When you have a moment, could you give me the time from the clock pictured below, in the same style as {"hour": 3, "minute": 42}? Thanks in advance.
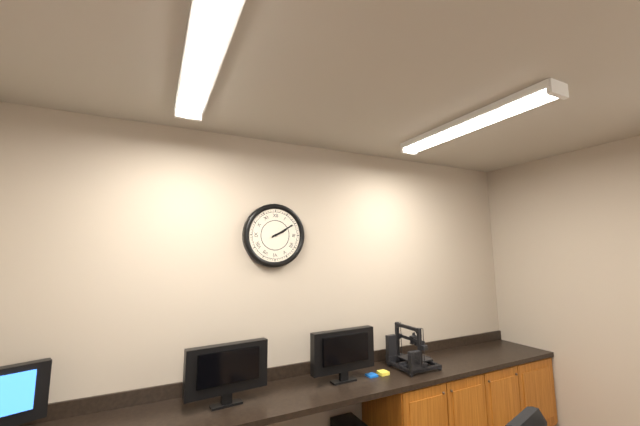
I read {"hour": 2, "minute": 10}
